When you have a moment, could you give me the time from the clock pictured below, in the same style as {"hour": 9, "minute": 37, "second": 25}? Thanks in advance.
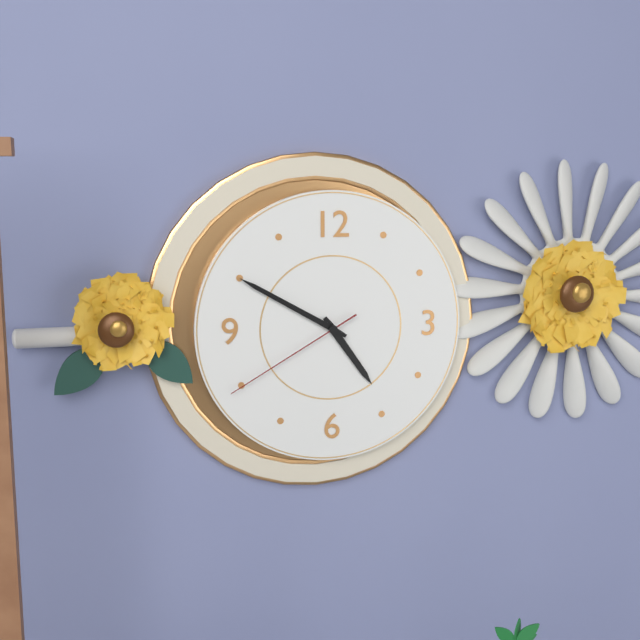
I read {"hour": 4, "minute": 50, "second": 40}
